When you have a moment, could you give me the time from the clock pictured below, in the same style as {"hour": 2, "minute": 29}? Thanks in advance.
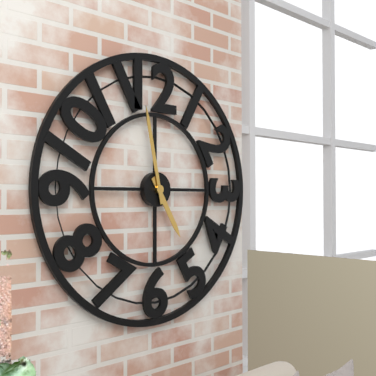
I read {"hour": 4, "minute": 58}
